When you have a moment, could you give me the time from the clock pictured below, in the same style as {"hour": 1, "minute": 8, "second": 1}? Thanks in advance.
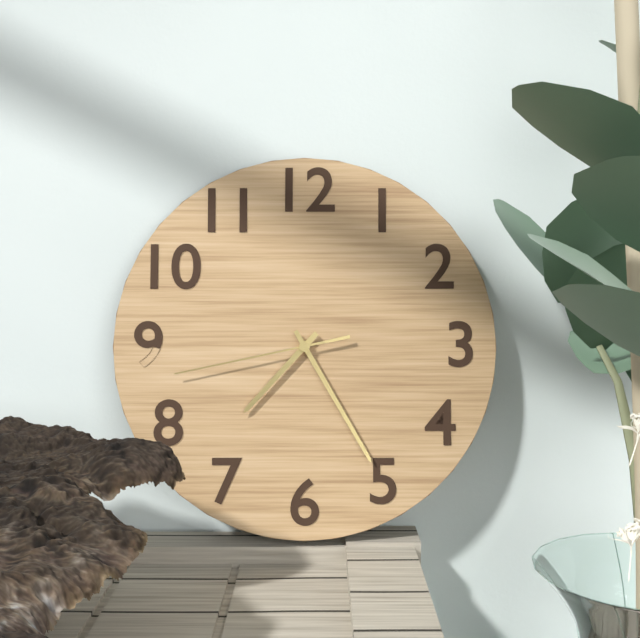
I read {"hour": 7, "minute": 25, "second": 43}
